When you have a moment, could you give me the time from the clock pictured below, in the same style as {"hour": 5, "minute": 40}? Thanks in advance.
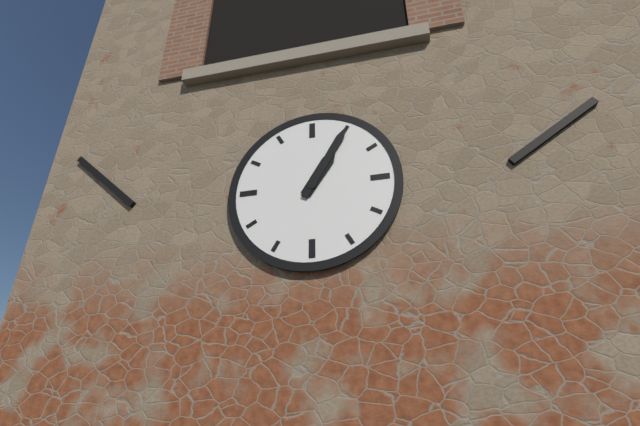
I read {"hour": 1, "minute": 5}
